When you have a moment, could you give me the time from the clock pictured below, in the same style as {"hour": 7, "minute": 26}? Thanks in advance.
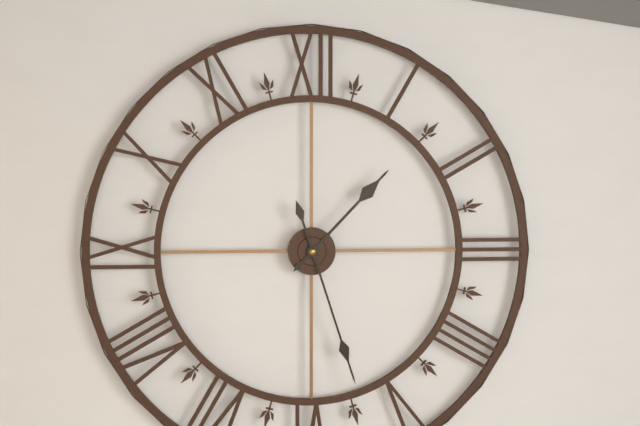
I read {"hour": 1, "minute": 27}
